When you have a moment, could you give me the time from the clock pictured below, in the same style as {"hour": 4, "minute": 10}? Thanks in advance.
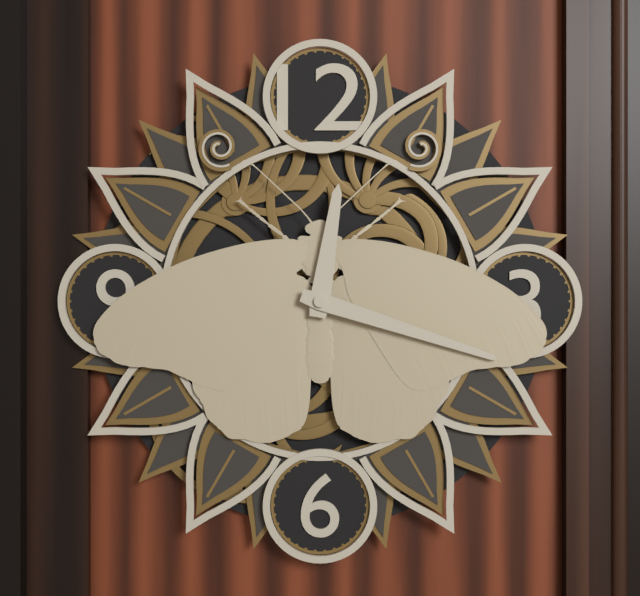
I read {"hour": 12, "minute": 18}
